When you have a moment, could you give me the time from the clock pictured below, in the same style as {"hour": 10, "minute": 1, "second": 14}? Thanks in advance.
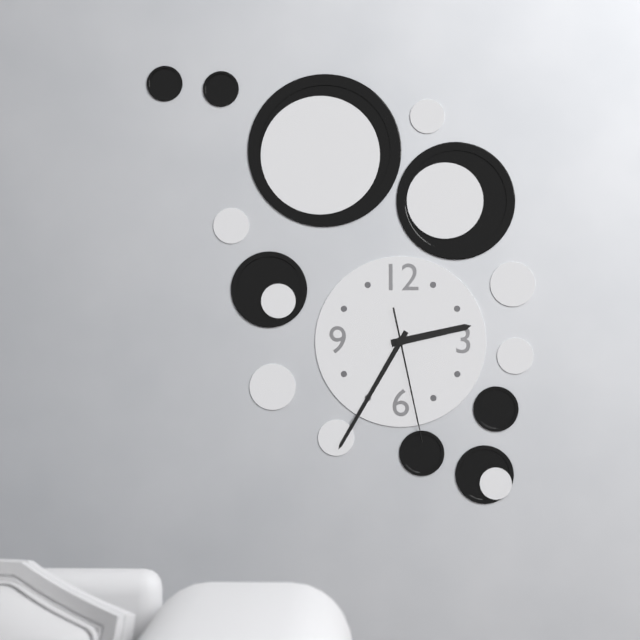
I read {"hour": 2, "minute": 35, "second": 28}
